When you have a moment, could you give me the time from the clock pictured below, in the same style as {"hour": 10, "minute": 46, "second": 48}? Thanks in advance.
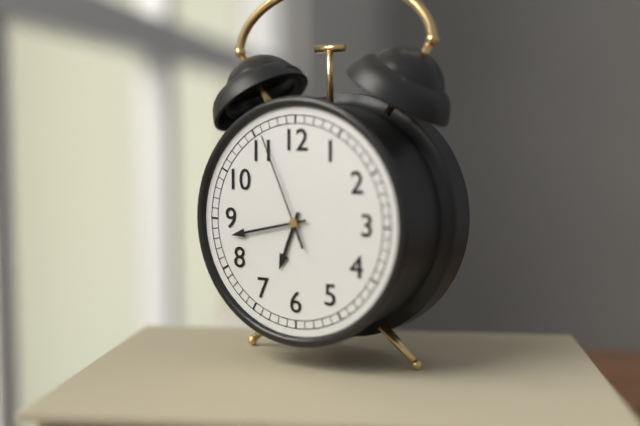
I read {"hour": 6, "minute": 43, "second": 56}
